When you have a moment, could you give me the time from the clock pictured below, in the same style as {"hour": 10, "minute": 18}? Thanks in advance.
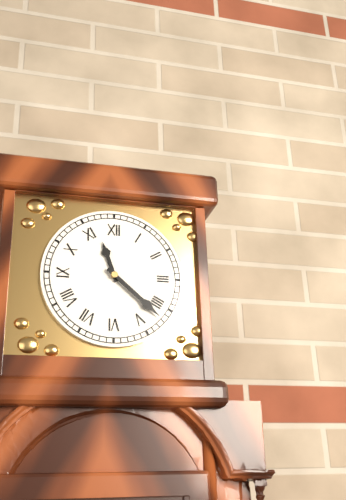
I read {"hour": 11, "minute": 22}
